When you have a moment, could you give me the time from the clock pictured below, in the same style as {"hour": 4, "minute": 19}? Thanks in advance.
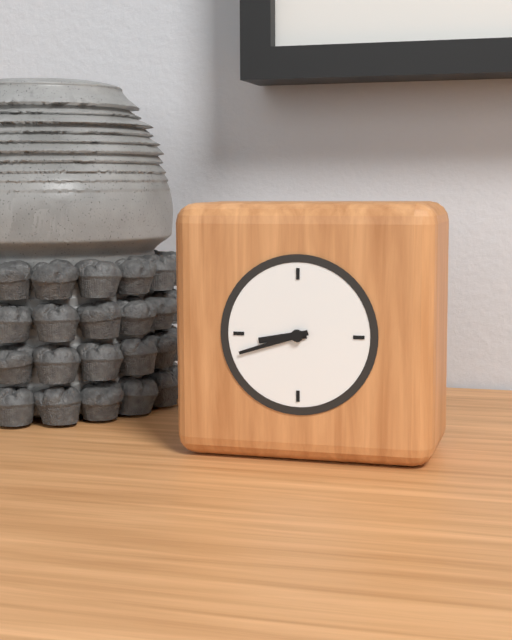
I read {"hour": 8, "minute": 42}
